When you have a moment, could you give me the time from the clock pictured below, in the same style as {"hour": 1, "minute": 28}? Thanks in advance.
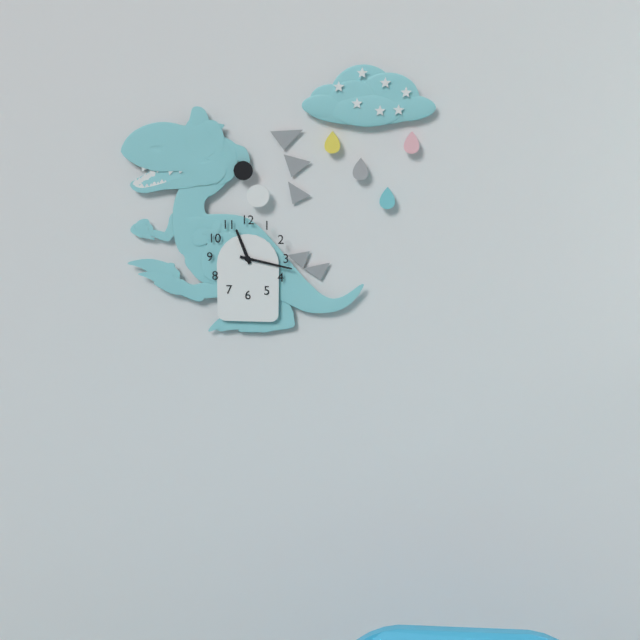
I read {"hour": 11, "minute": 17}
